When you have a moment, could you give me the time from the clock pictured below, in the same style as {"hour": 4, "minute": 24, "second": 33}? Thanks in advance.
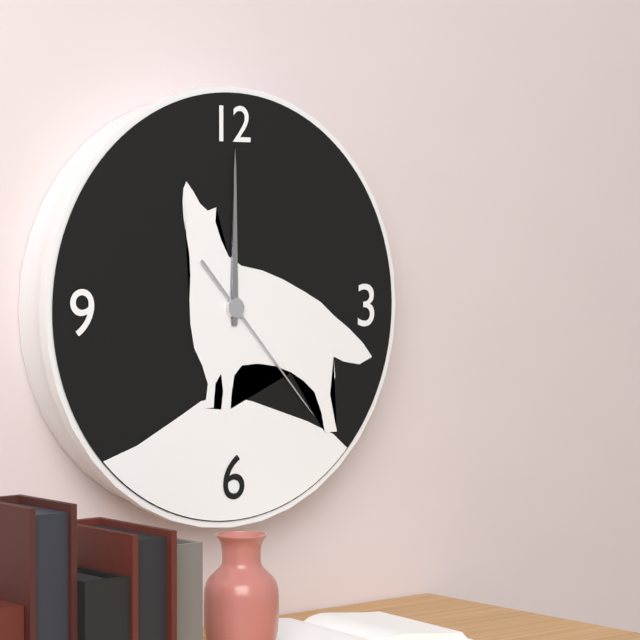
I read {"hour": 12, "minute": 0, "second": 23}
